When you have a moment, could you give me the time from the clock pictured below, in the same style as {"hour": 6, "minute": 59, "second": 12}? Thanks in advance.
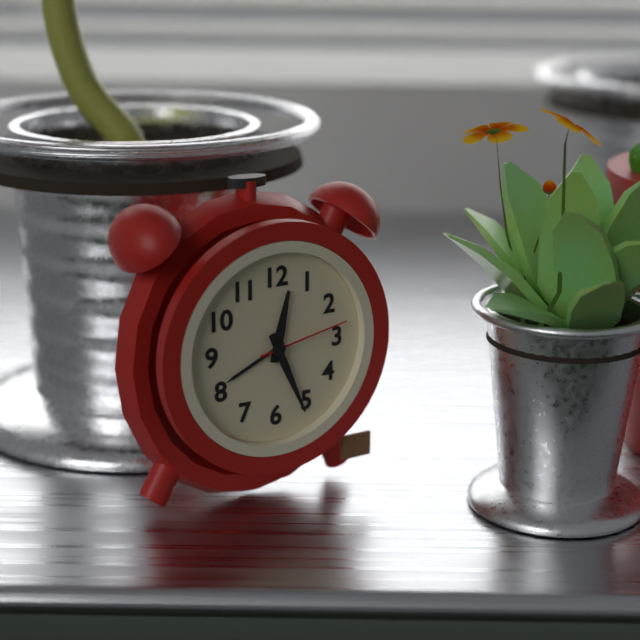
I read {"hour": 12, "minute": 26, "second": 13}
